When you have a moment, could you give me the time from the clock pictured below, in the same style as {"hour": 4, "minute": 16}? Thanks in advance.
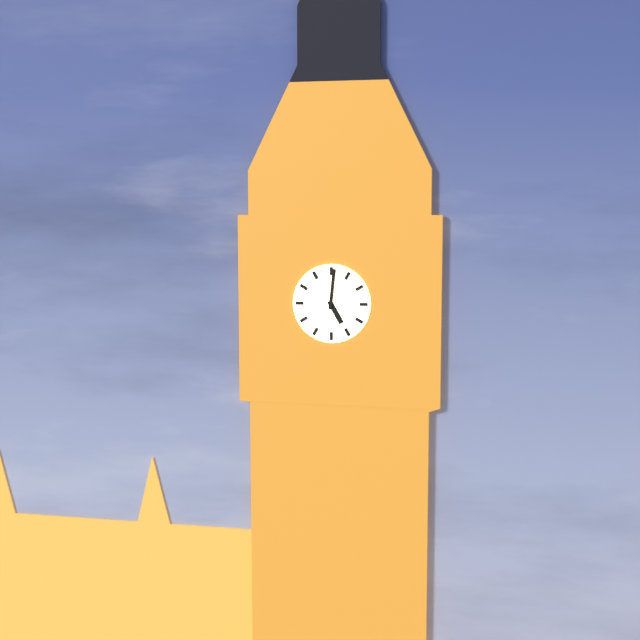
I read {"hour": 5, "minute": 1}
